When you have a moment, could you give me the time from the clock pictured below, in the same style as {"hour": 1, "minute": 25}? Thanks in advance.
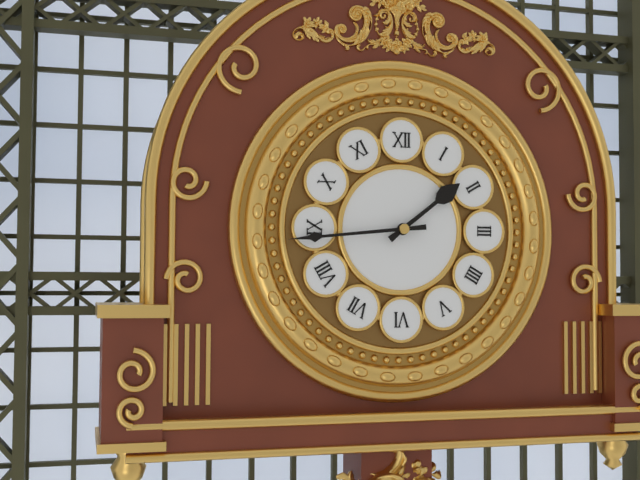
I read {"hour": 1, "minute": 44}
